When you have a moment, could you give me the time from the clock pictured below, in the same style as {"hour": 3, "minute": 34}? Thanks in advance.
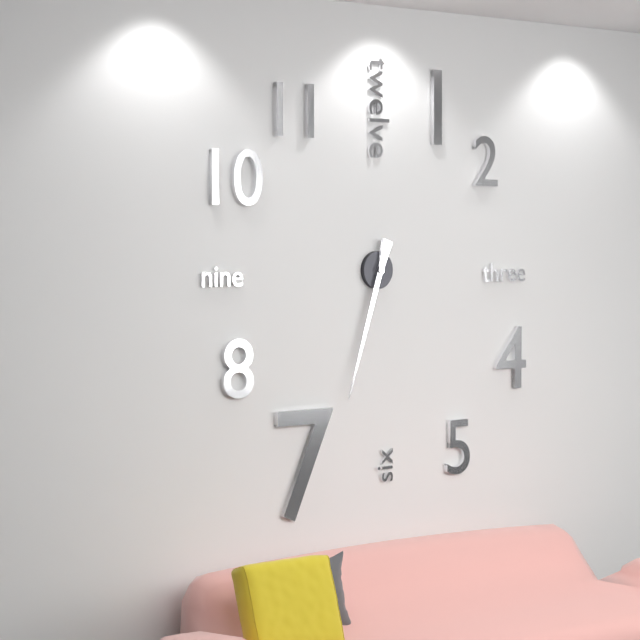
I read {"hour": 6, "minute": 33}
